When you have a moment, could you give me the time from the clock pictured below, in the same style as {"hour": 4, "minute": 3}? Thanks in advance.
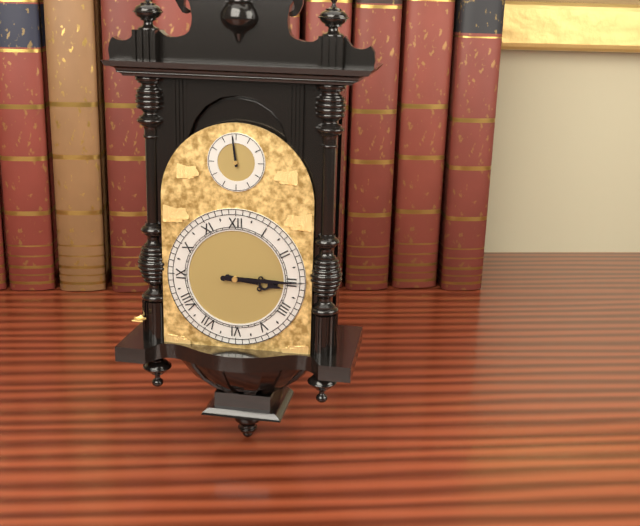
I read {"hour": 3, "minute": 15}
